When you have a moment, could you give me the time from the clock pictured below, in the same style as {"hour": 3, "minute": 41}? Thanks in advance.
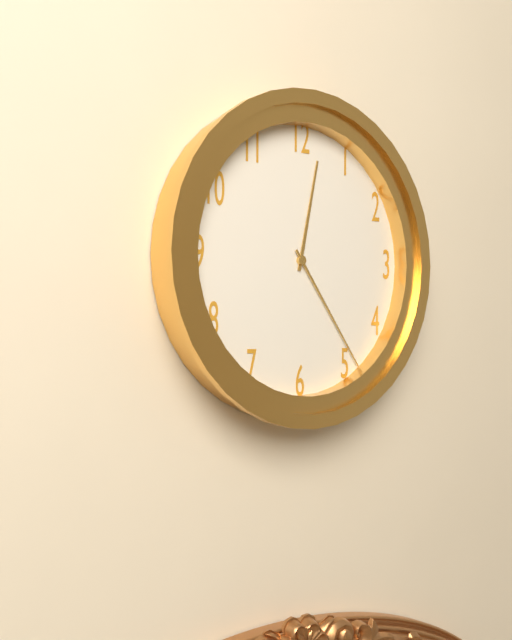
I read {"hour": 12, "minute": 24}
